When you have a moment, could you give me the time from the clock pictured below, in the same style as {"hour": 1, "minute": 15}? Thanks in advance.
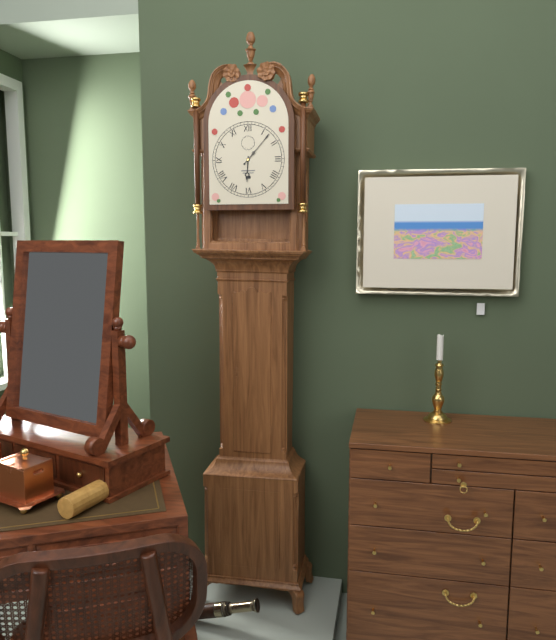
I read {"hour": 6, "minute": 7}
